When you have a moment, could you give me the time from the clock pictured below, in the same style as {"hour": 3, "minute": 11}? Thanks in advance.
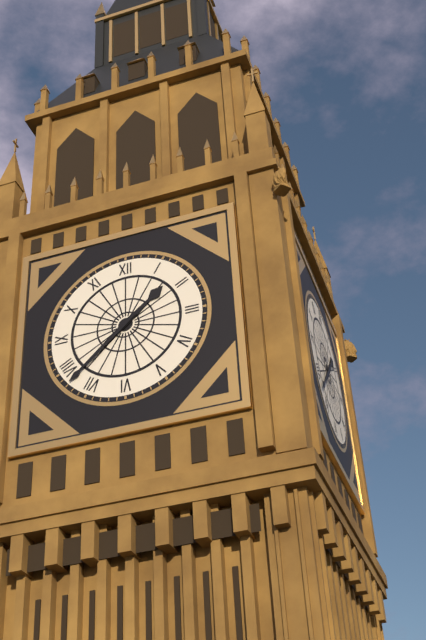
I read {"hour": 1, "minute": 38}
